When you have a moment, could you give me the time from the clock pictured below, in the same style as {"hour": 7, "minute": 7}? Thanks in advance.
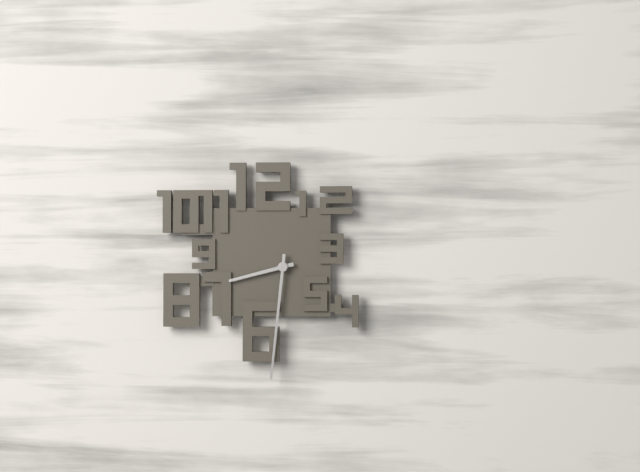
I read {"hour": 8, "minute": 31}
